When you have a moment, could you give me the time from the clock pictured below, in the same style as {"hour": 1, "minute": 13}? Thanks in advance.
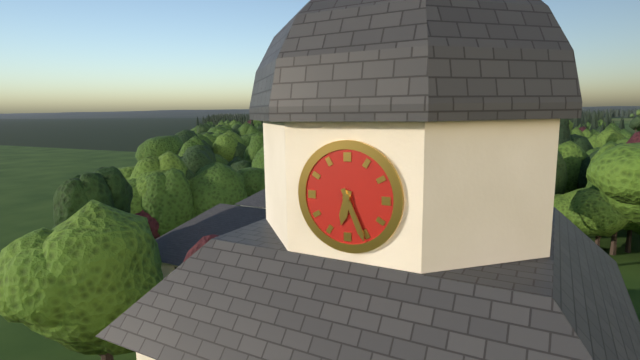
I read {"hour": 6, "minute": 26}
